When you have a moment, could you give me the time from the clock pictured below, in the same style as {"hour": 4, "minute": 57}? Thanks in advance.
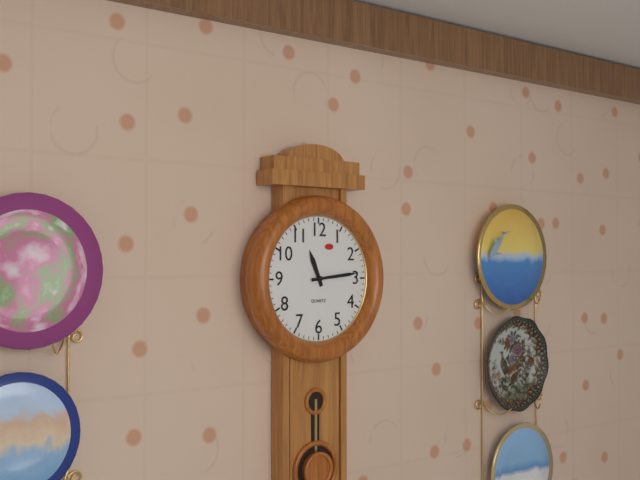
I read {"hour": 11, "minute": 14}
